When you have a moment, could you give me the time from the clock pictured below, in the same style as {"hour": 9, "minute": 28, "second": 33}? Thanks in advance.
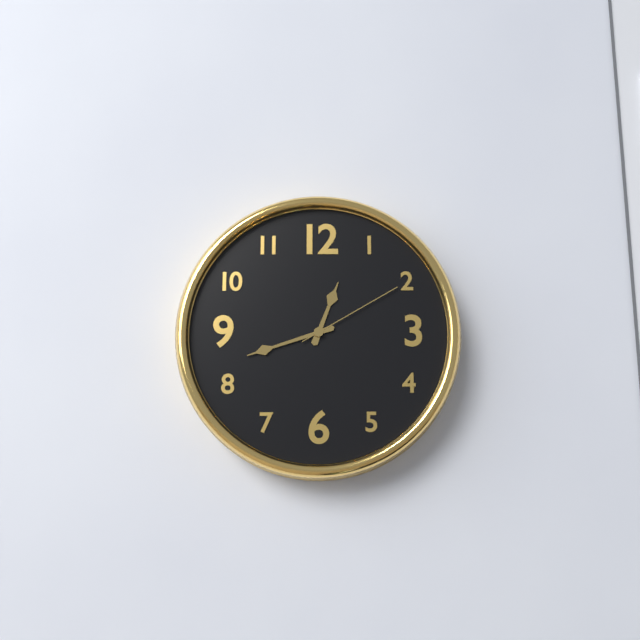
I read {"hour": 12, "minute": 42, "second": 10}
